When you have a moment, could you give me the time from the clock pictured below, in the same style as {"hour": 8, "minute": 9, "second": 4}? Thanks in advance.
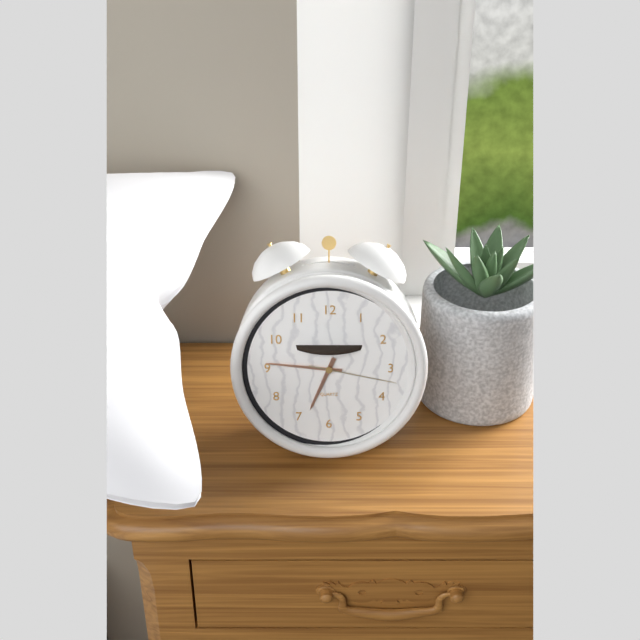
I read {"hour": 6, "minute": 46, "second": 17}
